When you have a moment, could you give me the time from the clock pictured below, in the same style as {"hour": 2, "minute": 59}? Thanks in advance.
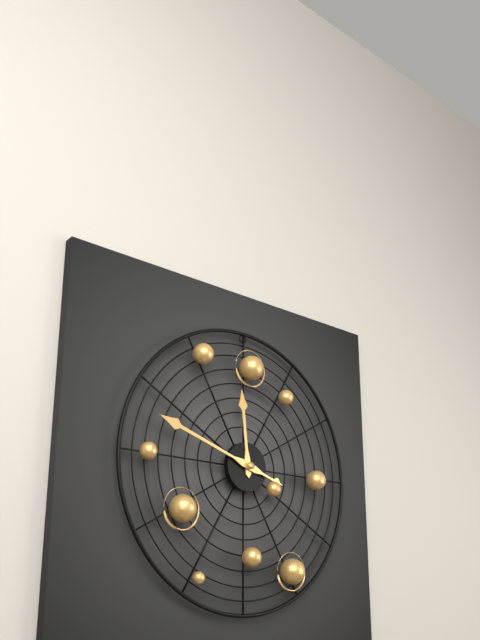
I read {"hour": 11, "minute": 48}
